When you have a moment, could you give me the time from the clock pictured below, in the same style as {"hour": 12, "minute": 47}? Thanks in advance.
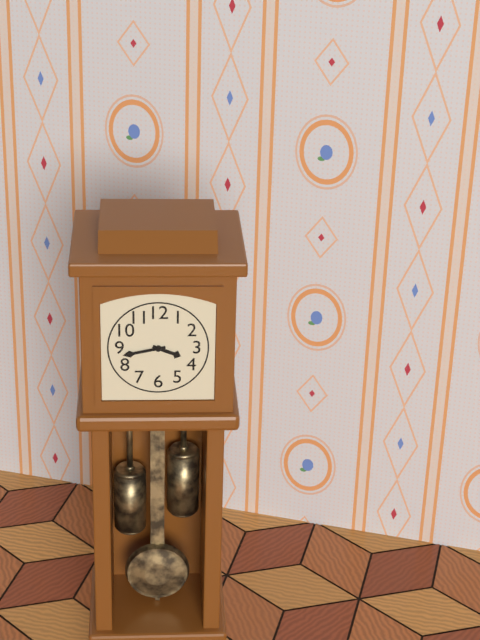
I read {"hour": 3, "minute": 43}
